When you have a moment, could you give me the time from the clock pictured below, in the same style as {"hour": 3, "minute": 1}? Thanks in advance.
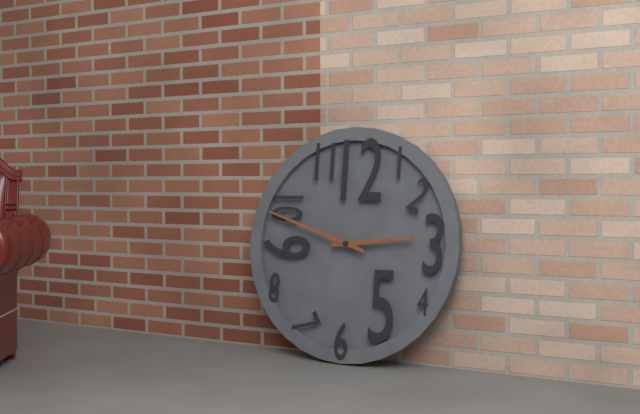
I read {"hour": 2, "minute": 48}
